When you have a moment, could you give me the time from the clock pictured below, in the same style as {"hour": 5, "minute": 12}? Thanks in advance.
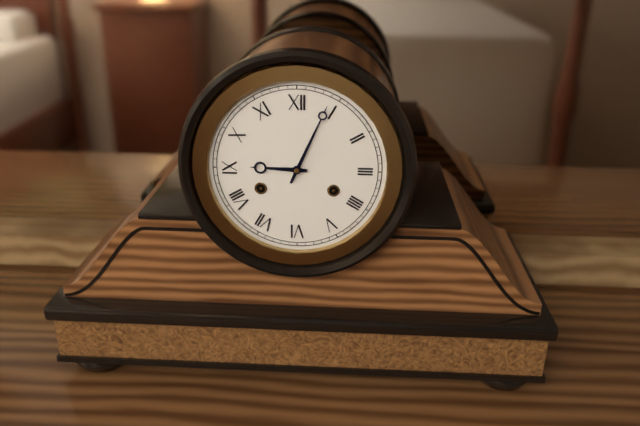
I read {"hour": 9, "minute": 4}
